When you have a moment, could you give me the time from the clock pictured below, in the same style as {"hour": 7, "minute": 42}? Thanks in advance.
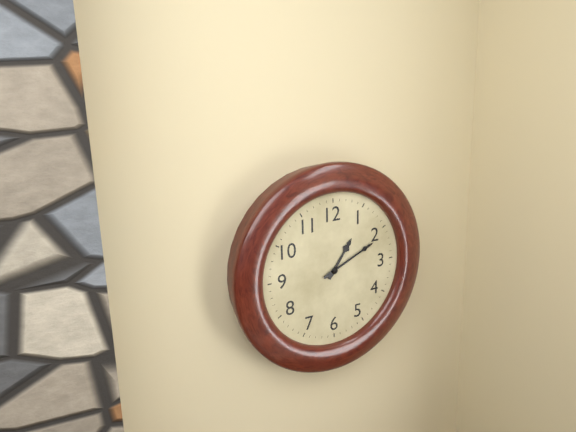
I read {"hour": 1, "minute": 11}
